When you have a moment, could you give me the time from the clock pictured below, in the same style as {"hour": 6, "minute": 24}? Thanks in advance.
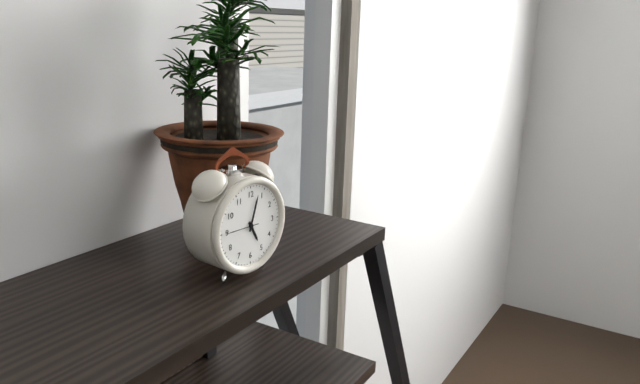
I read {"hour": 5, "minute": 3}
